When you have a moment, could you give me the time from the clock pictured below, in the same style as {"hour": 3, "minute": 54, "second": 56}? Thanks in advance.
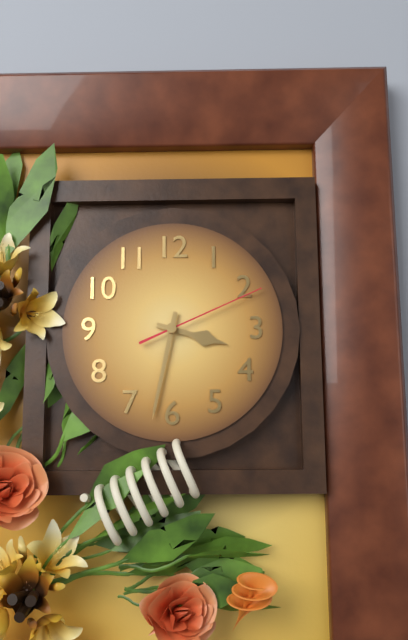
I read {"hour": 3, "minute": 32, "second": 11}
